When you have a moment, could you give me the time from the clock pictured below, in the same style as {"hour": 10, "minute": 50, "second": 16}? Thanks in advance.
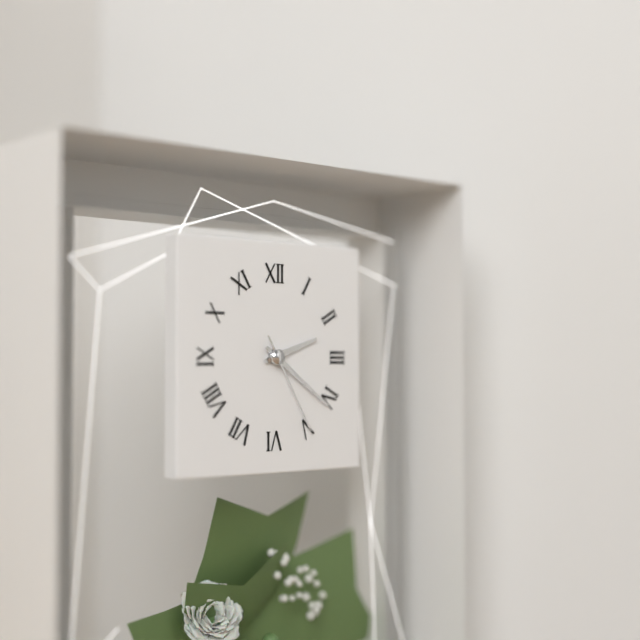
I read {"hour": 2, "minute": 21, "second": 25}
